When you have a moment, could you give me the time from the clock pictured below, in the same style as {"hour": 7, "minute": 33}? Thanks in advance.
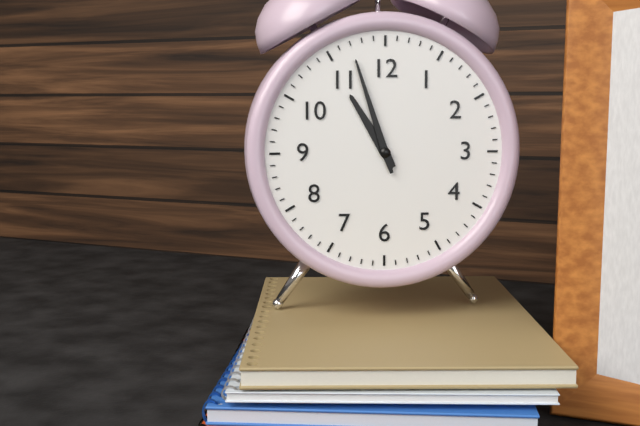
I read {"hour": 10, "minute": 57}
